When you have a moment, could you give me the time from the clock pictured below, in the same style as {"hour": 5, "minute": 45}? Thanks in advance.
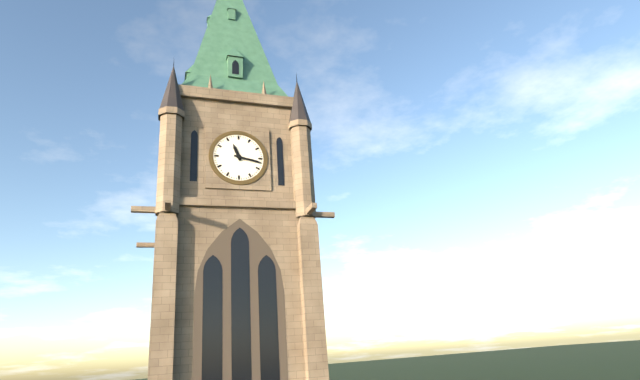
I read {"hour": 11, "minute": 17}
